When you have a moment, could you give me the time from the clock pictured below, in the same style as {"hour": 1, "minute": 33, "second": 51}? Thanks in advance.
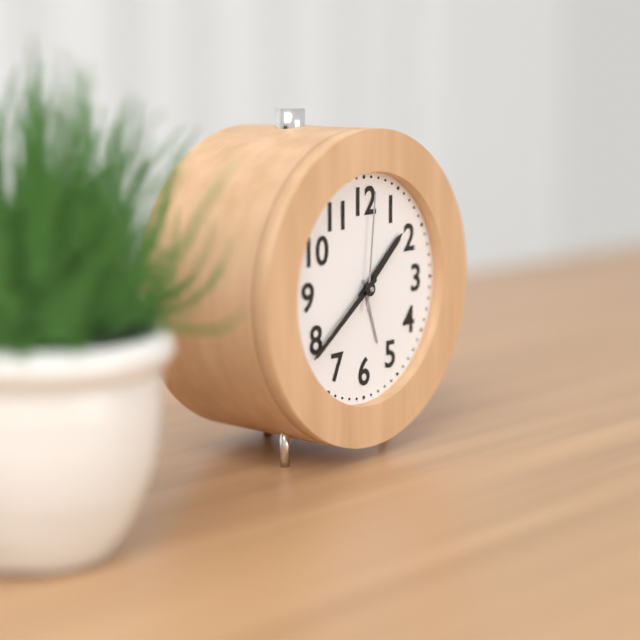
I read {"hour": 1, "minute": 39, "second": 1}
